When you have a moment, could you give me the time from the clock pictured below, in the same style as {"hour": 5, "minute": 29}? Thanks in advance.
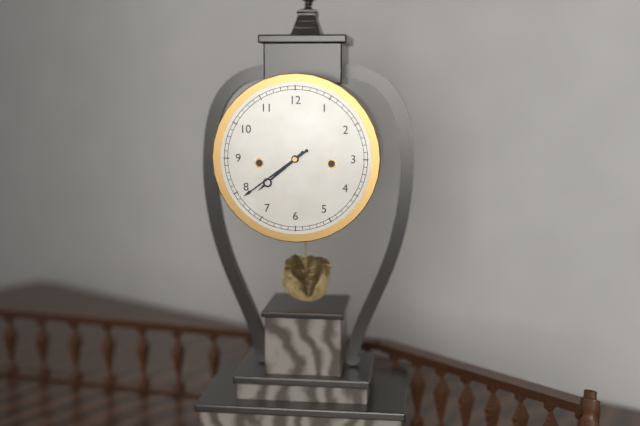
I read {"hour": 7, "minute": 39}
